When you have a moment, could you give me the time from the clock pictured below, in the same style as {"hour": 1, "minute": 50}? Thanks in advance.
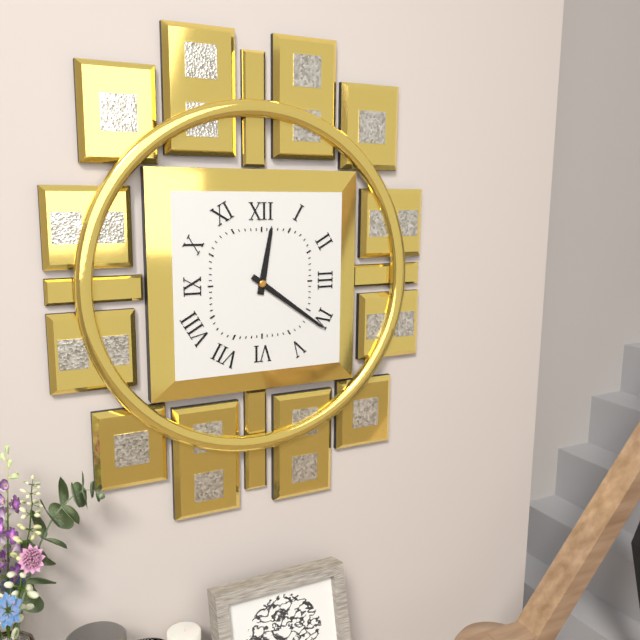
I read {"hour": 12, "minute": 21}
